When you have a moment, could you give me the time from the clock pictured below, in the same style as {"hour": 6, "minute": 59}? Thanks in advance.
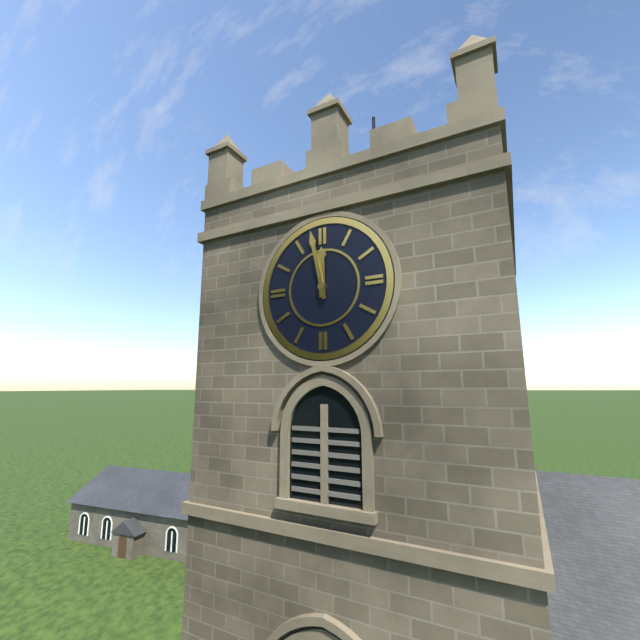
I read {"hour": 11, "minute": 58}
